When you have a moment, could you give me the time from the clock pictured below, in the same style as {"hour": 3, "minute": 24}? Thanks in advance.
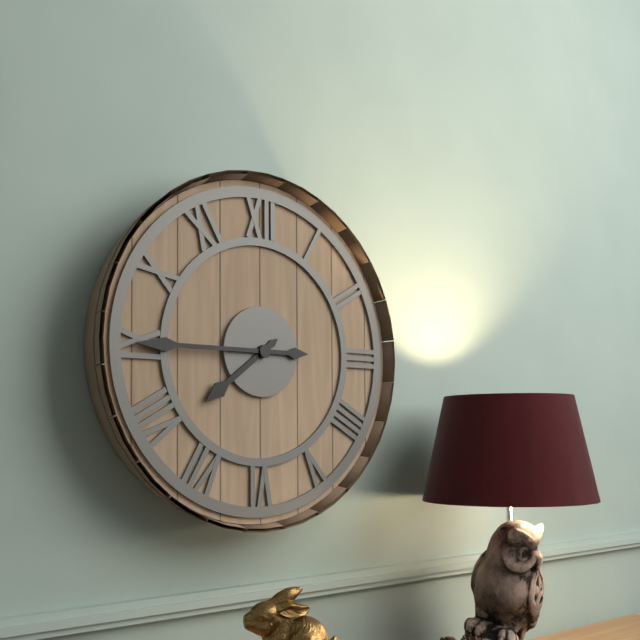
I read {"hour": 7, "minute": 45}
